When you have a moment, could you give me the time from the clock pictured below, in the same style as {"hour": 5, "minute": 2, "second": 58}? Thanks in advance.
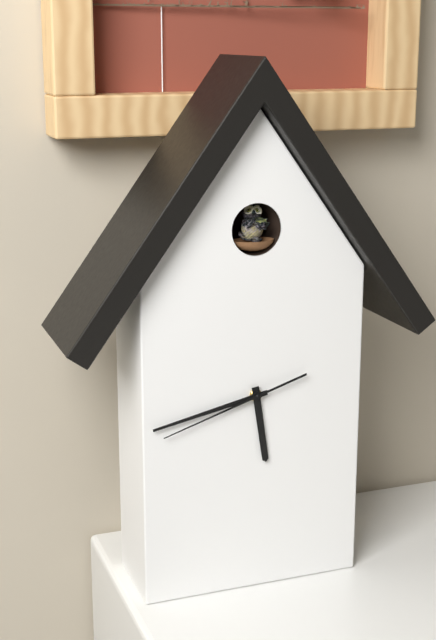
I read {"hour": 5, "minute": 43, "second": 42}
